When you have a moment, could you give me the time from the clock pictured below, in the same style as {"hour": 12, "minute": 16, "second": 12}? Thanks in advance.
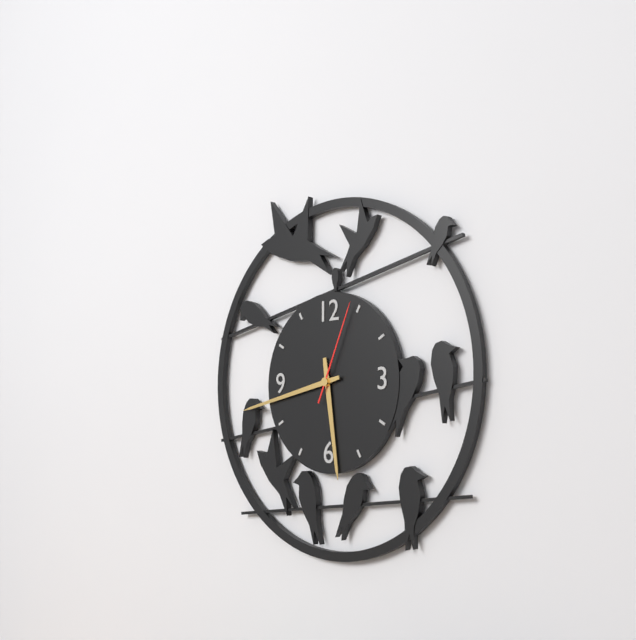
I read {"hour": 5, "minute": 43, "second": 4}
